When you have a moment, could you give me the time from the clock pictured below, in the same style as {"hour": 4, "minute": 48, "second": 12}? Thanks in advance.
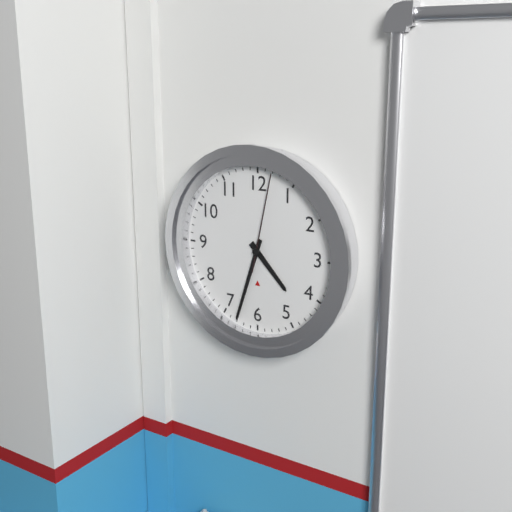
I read {"hour": 4, "minute": 33, "second": 2}
